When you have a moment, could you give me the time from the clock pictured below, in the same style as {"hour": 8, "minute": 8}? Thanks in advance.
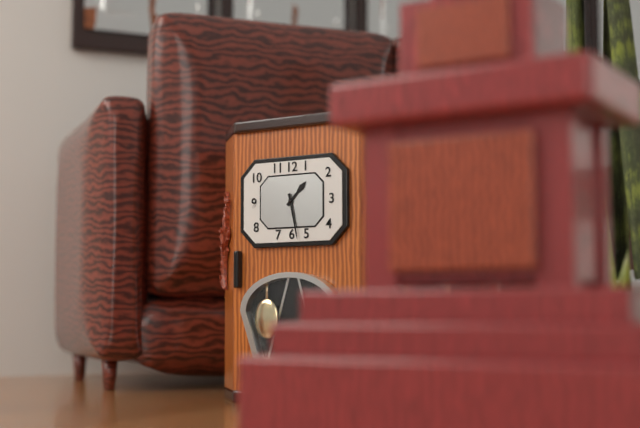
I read {"hour": 1, "minute": 28}
